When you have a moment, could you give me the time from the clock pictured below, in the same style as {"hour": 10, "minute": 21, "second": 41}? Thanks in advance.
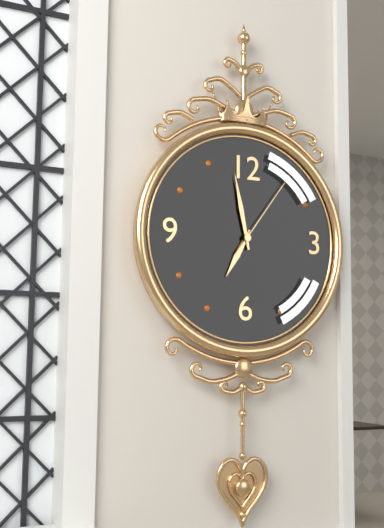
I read {"hour": 6, "minute": 58, "second": 6}
